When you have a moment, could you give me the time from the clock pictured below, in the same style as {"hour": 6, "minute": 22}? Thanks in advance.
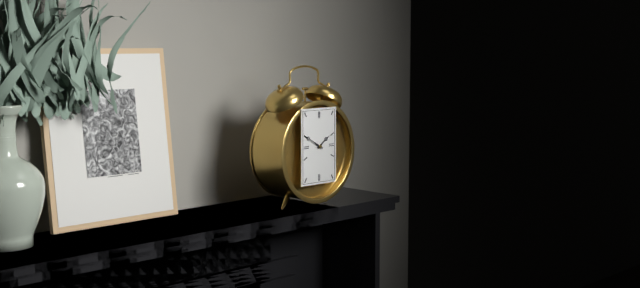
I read {"hour": 1, "minute": 50}
